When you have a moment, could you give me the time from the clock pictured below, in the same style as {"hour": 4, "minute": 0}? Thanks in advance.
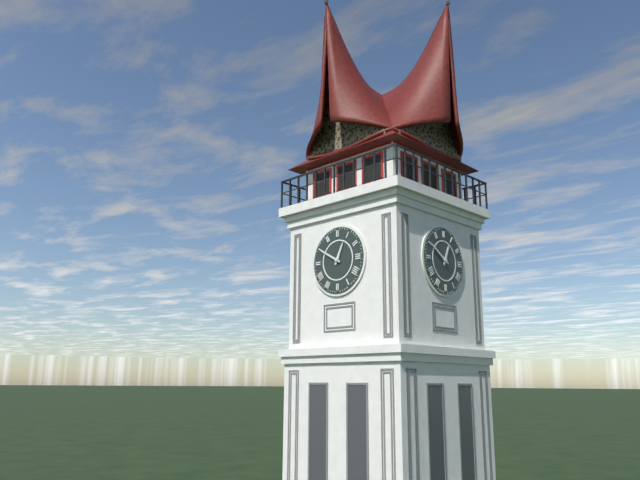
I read {"hour": 12, "minute": 50}
